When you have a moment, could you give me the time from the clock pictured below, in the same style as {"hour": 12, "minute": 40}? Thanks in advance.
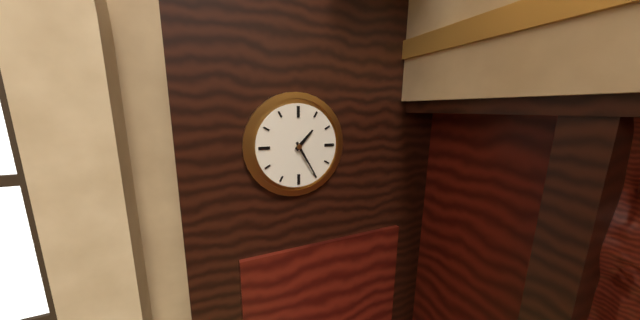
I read {"hour": 1, "minute": 25}
